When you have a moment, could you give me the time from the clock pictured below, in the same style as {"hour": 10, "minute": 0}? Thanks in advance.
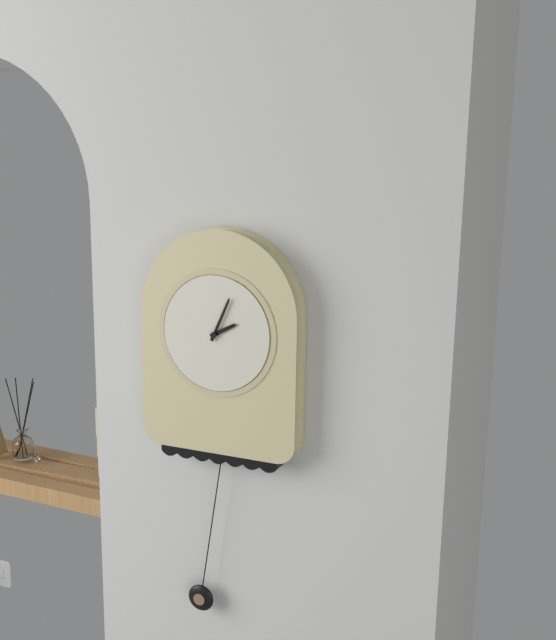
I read {"hour": 2, "minute": 4}
